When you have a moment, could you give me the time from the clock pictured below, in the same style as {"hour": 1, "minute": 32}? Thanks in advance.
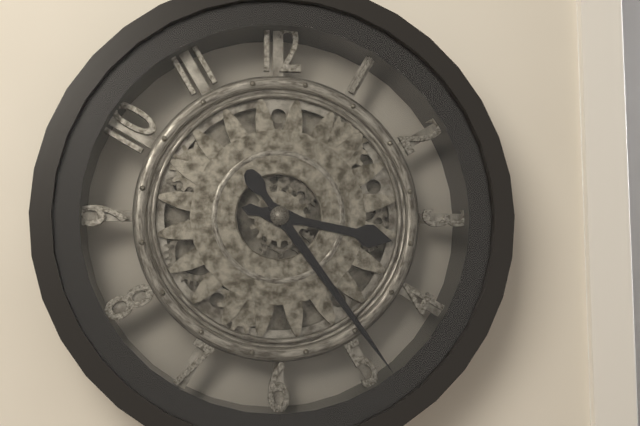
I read {"hour": 3, "minute": 24}
